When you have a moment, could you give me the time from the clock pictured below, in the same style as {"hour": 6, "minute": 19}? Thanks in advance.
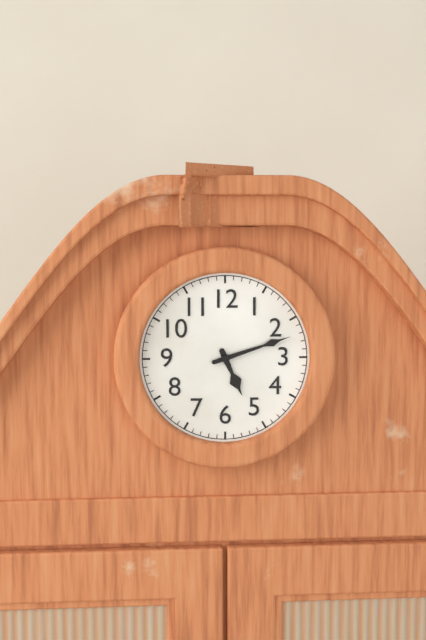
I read {"hour": 5, "minute": 12}
